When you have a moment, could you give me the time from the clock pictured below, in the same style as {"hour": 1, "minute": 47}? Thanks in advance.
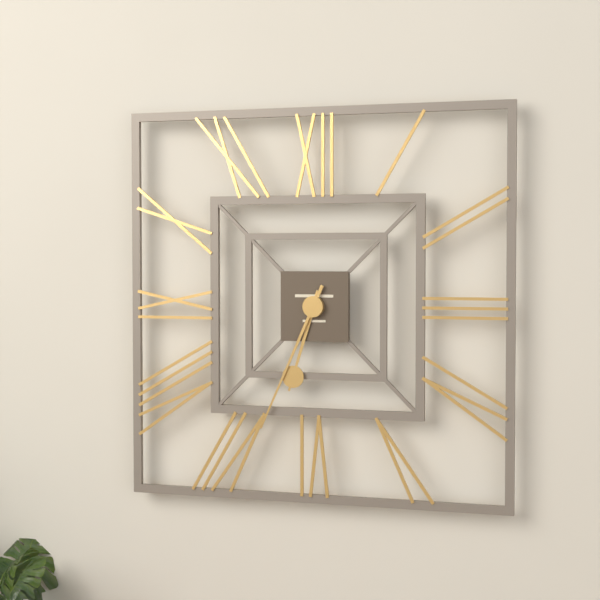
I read {"hour": 6, "minute": 34}
